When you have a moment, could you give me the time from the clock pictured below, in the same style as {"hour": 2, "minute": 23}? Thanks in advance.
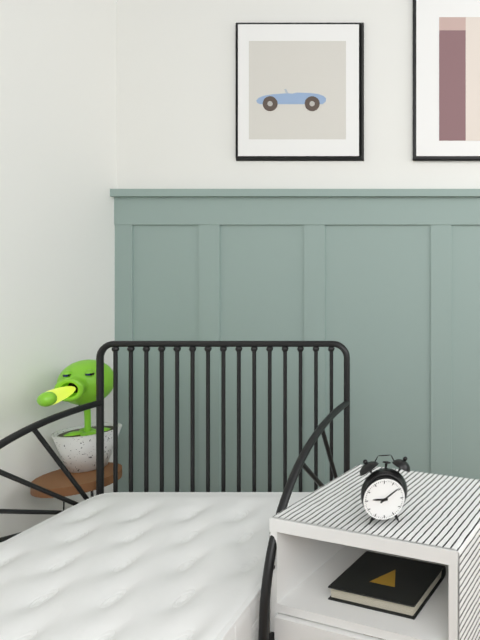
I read {"hour": 9, "minute": 9}
